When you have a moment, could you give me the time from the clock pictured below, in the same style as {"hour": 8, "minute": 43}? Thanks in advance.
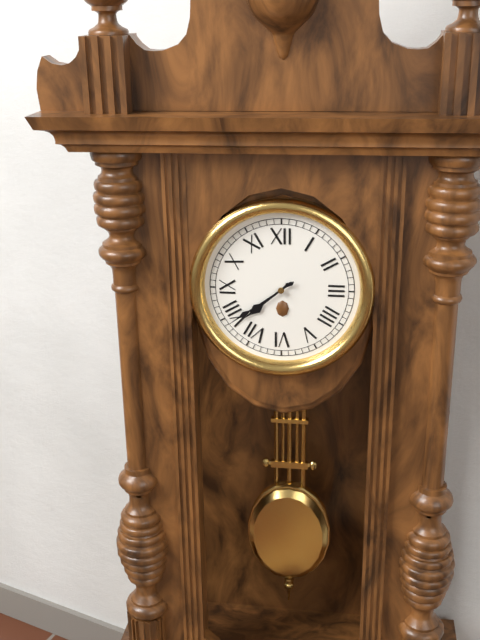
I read {"hour": 7, "minute": 39}
